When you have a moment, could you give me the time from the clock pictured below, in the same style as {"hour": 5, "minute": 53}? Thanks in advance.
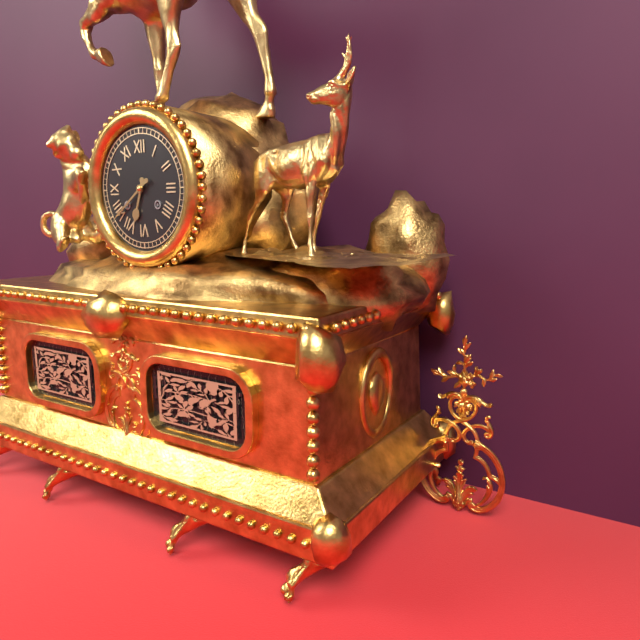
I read {"hour": 6, "minute": 39}
